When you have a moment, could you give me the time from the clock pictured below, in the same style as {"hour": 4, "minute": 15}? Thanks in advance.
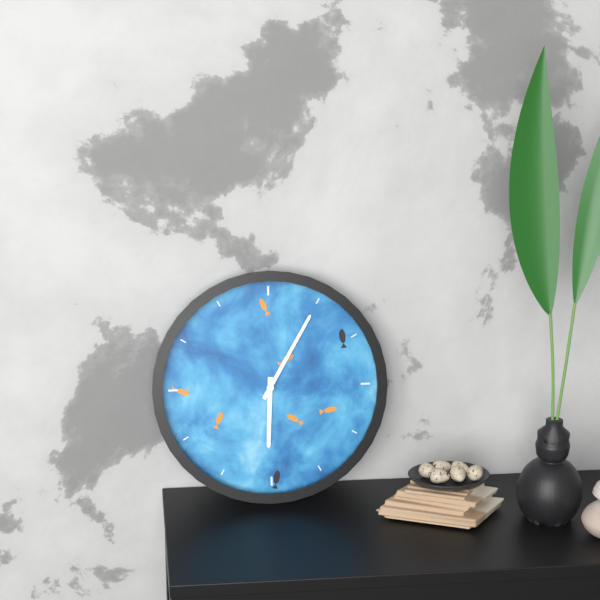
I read {"hour": 6, "minute": 5}
